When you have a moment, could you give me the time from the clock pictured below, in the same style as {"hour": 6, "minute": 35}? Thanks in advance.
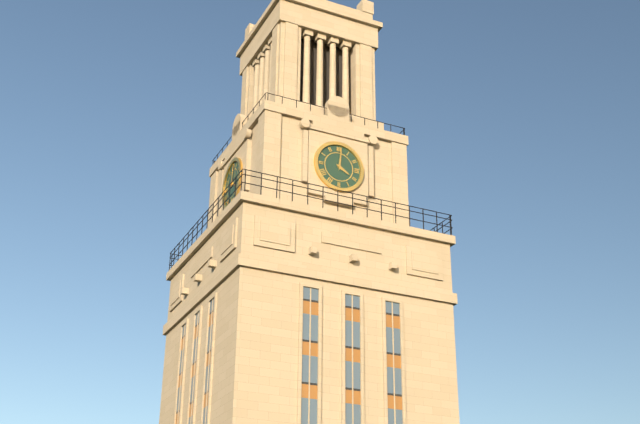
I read {"hour": 4, "minute": 1}
